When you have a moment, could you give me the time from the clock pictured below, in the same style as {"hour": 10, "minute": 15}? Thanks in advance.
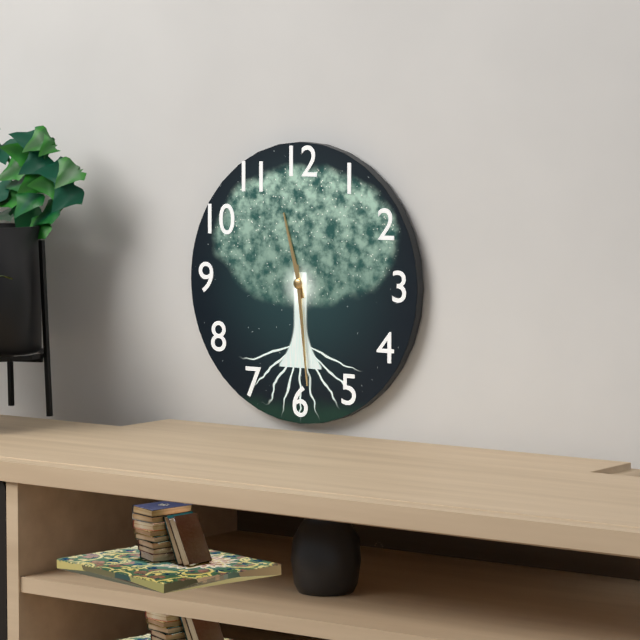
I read {"hour": 11, "minute": 29}
